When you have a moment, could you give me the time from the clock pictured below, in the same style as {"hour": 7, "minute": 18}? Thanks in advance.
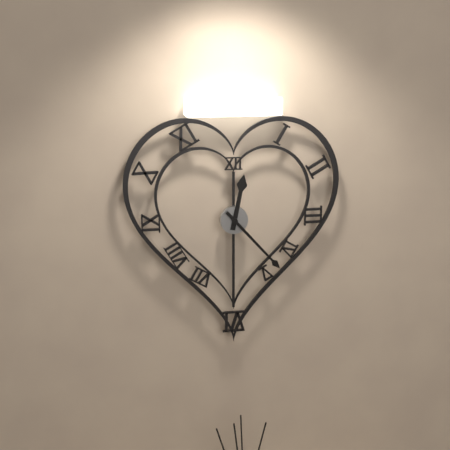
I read {"hour": 12, "minute": 23}
